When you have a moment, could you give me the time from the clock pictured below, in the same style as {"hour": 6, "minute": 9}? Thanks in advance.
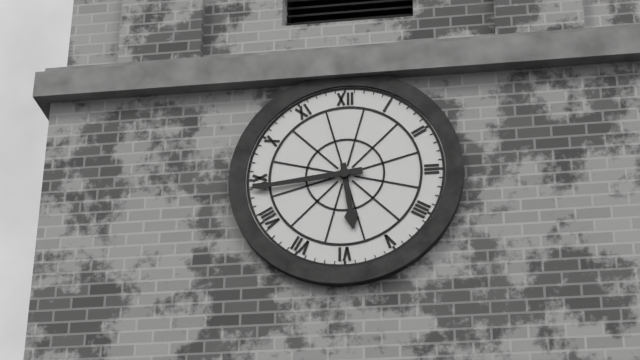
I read {"hour": 5, "minute": 44}
